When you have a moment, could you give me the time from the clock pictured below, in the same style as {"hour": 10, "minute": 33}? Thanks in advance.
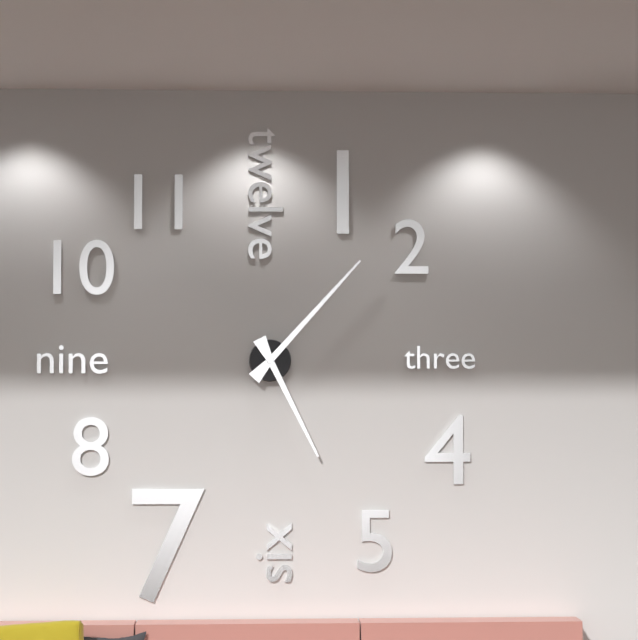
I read {"hour": 5, "minute": 7}
